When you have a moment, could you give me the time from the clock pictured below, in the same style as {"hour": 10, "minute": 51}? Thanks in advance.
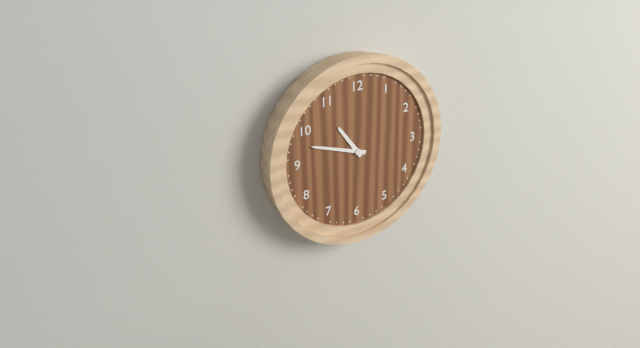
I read {"hour": 10, "minute": 48}
